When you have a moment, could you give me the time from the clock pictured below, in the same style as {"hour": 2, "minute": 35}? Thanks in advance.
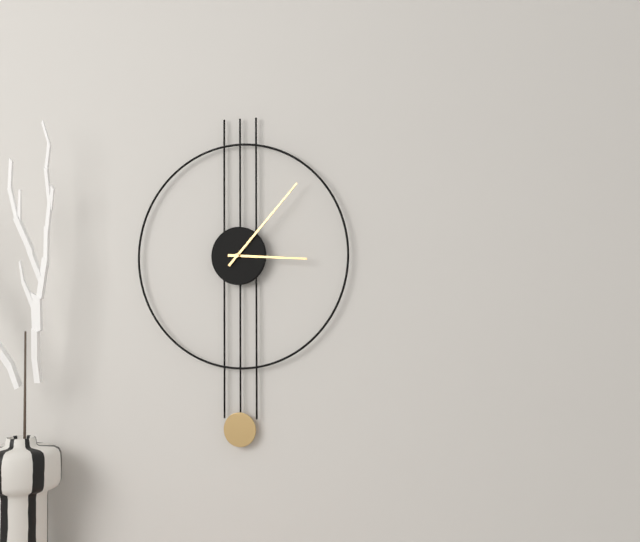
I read {"hour": 3, "minute": 7}
